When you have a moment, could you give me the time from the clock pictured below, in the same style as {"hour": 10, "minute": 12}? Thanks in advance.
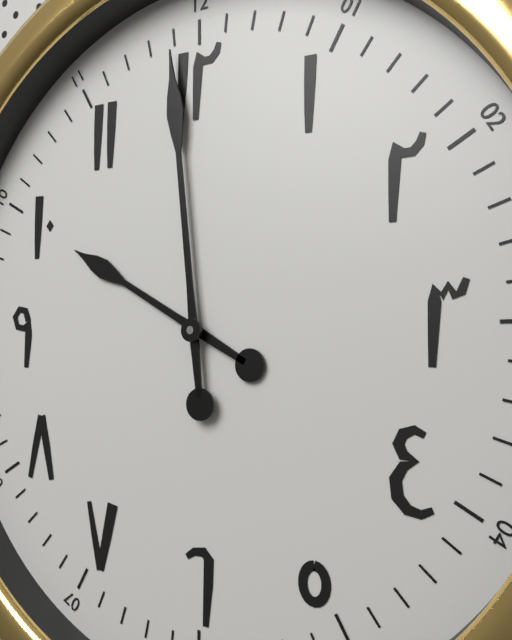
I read {"hour": 9, "minute": 59}
